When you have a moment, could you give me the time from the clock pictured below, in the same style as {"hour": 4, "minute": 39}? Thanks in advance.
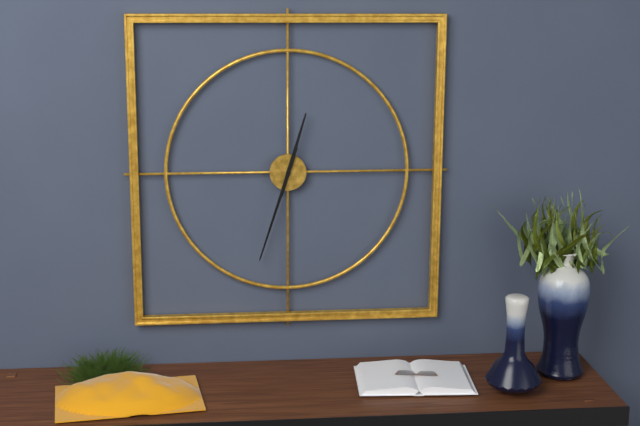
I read {"hour": 12, "minute": 33}
